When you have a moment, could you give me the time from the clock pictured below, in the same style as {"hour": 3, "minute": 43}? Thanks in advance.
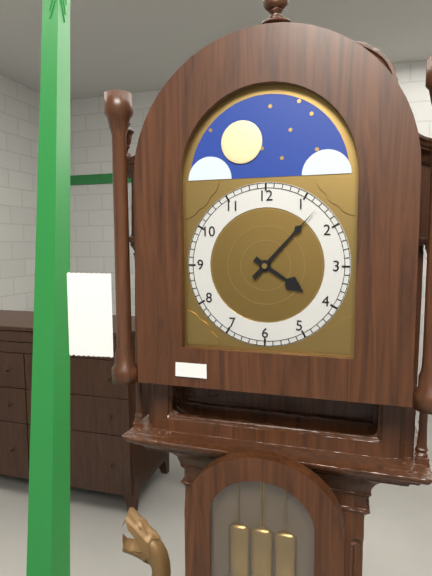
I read {"hour": 4, "minute": 7}
